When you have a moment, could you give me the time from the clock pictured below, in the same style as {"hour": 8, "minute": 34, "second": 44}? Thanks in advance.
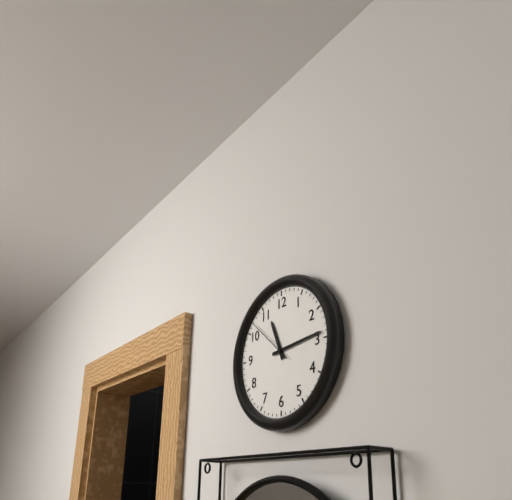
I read {"hour": 11, "minute": 14, "second": 52}
